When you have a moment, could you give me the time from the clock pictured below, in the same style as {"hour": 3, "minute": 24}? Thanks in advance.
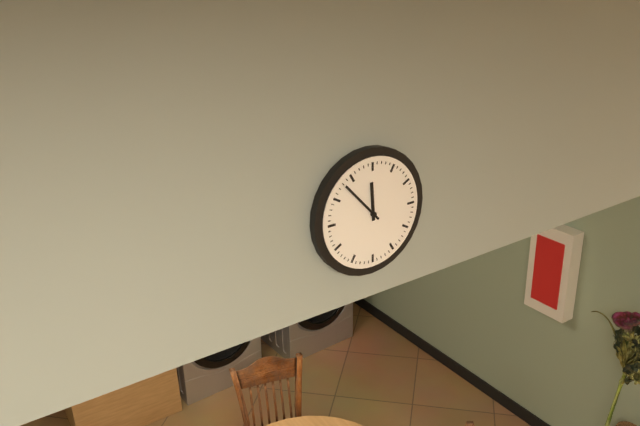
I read {"hour": 11, "minute": 53}
